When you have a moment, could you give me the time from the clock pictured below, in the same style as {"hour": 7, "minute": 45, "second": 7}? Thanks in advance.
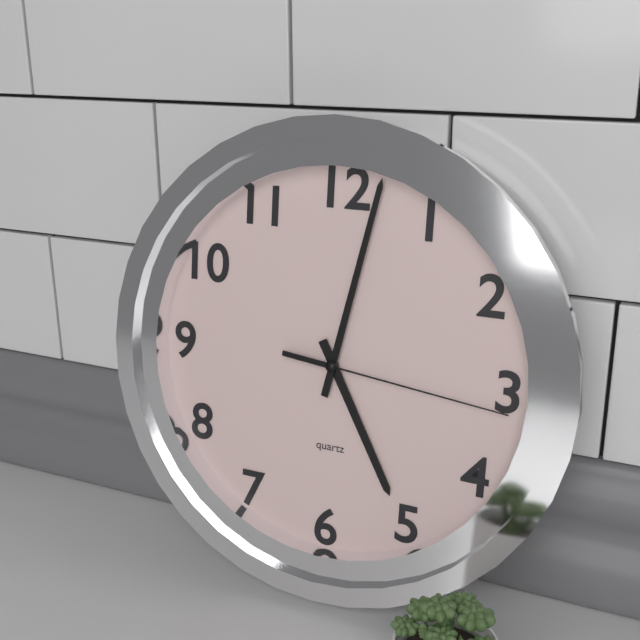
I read {"hour": 5, "minute": 2, "second": 16}
